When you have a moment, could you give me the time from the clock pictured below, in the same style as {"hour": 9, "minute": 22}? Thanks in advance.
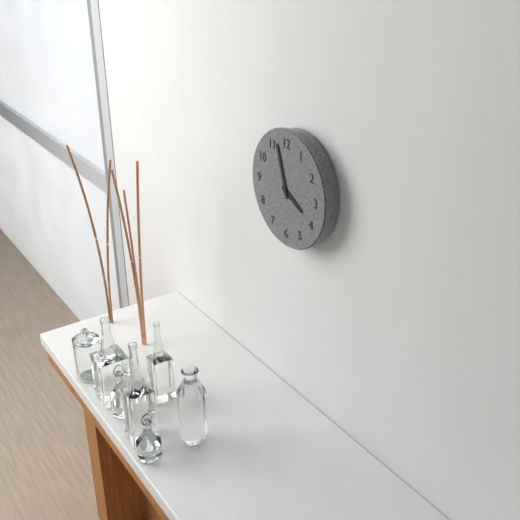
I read {"hour": 3, "minute": 57}
